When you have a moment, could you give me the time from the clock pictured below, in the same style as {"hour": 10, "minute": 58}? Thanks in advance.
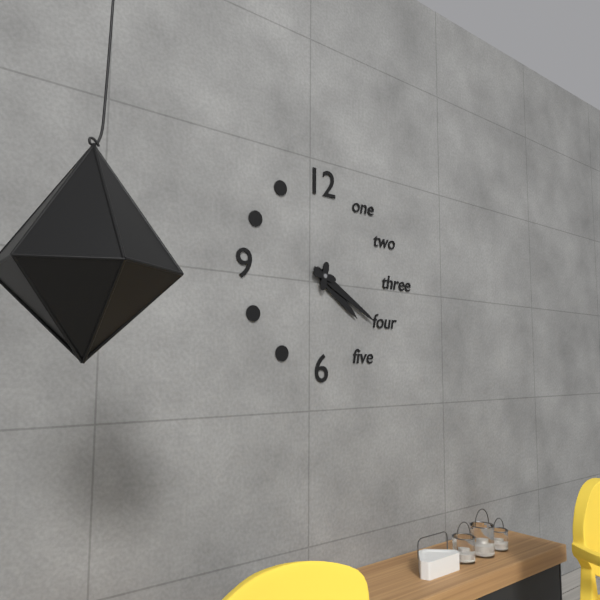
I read {"hour": 4, "minute": 20}
